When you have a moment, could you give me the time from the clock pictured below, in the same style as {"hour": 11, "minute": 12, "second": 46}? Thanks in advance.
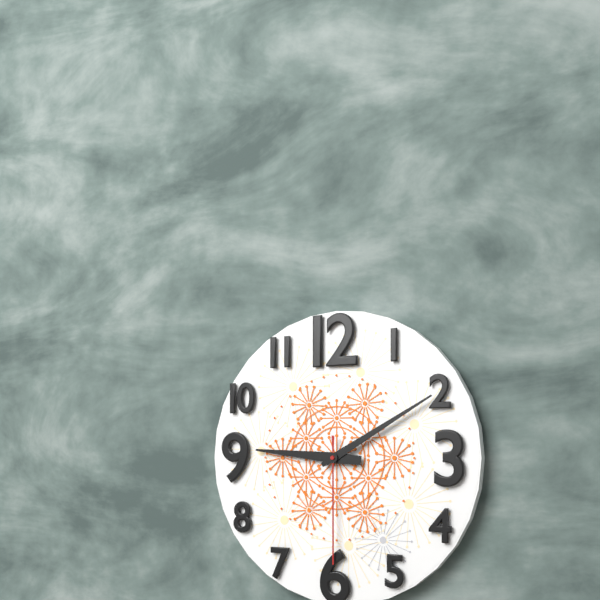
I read {"hour": 9, "minute": 10, "second": 30}
